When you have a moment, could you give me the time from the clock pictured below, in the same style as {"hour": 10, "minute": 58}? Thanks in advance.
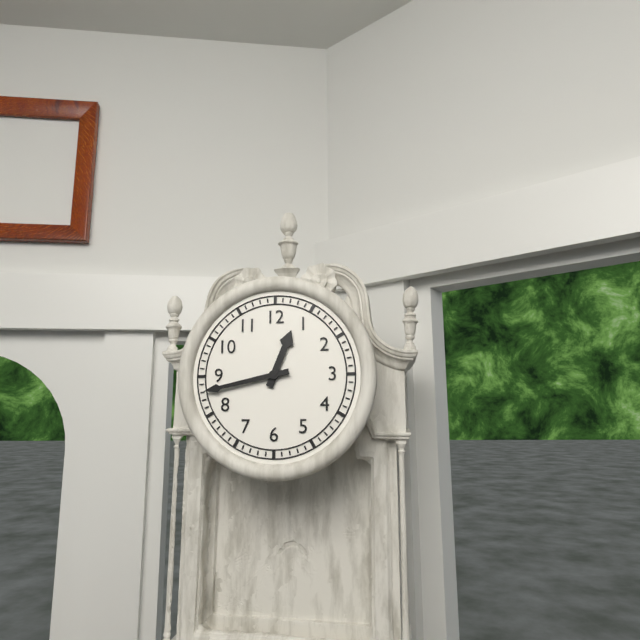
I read {"hour": 12, "minute": 43}
